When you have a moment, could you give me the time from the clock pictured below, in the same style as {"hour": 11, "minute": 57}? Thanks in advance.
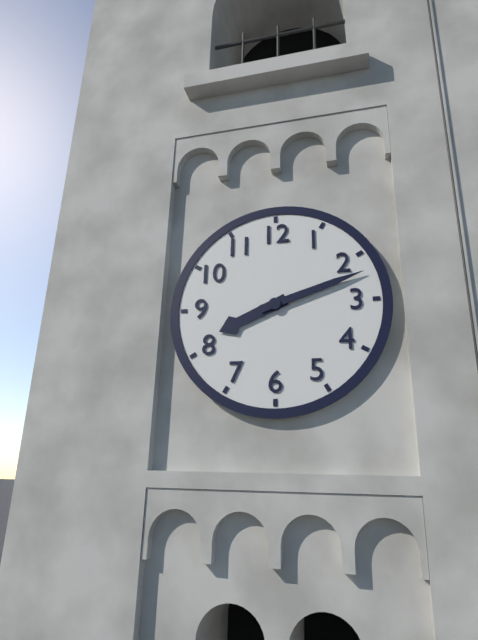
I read {"hour": 8, "minute": 12}
